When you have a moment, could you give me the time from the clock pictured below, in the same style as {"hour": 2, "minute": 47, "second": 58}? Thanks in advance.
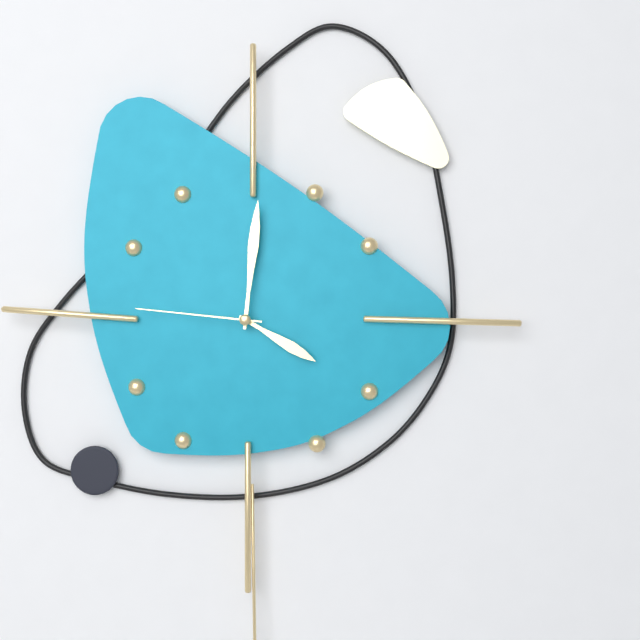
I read {"hour": 4, "minute": 1, "second": 46}
